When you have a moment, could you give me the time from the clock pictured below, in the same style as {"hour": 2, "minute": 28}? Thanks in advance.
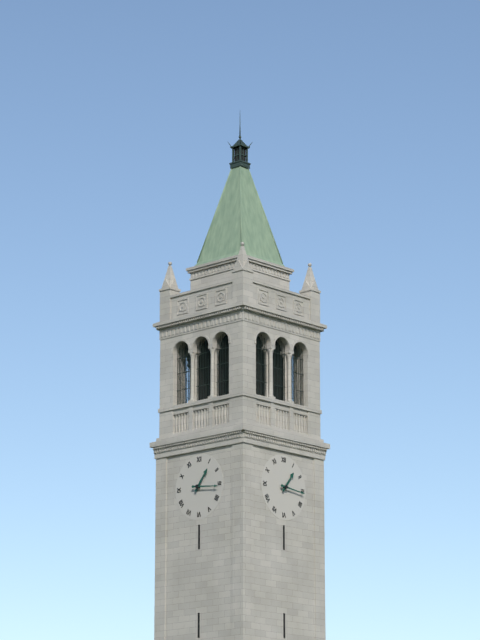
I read {"hour": 1, "minute": 16}
